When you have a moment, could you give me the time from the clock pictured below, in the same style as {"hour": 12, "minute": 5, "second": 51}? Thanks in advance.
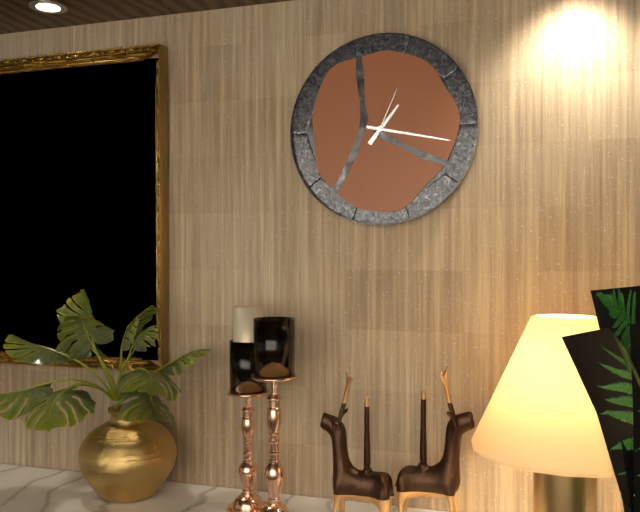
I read {"hour": 1, "minute": 17, "second": 4}
